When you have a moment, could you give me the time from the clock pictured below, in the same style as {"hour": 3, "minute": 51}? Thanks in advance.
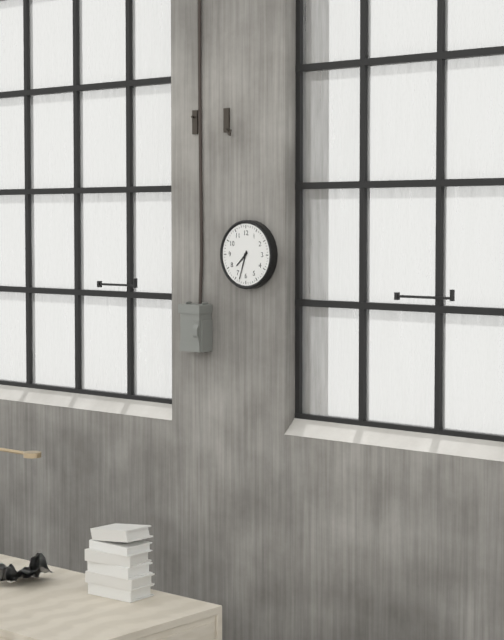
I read {"hour": 7, "minute": 33}
